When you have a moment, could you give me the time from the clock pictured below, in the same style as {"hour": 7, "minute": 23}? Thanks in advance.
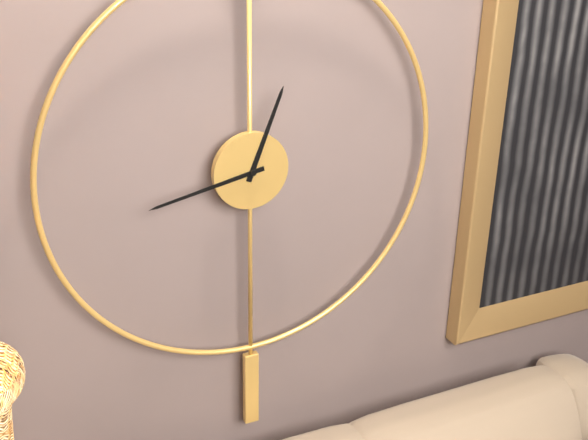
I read {"hour": 12, "minute": 43}
